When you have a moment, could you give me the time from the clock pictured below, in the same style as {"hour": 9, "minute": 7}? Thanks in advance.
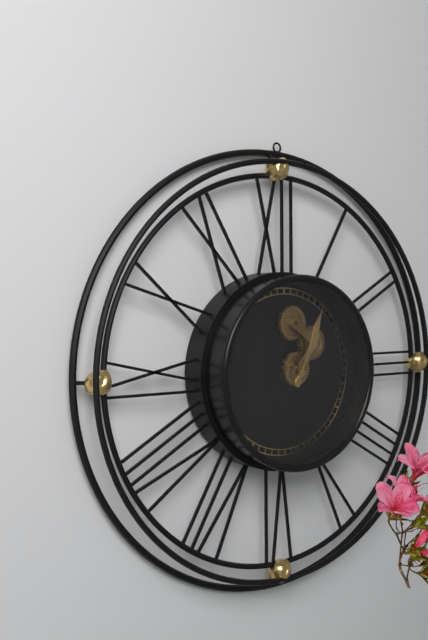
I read {"hour": 1, "minute": 4}
